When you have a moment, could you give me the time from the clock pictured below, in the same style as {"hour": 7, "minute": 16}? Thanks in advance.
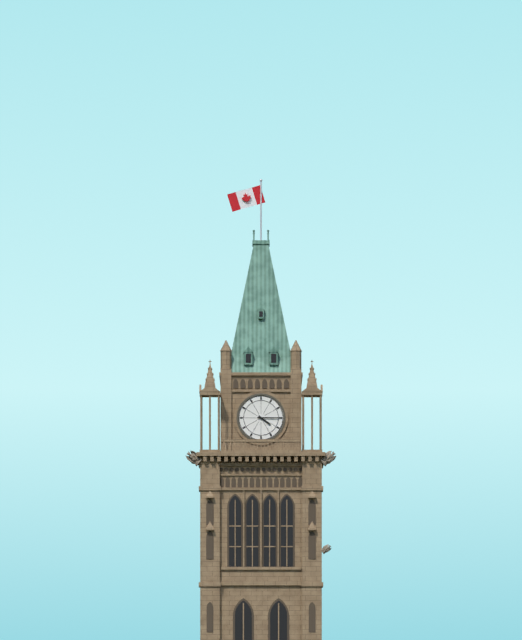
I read {"hour": 4, "minute": 15}
